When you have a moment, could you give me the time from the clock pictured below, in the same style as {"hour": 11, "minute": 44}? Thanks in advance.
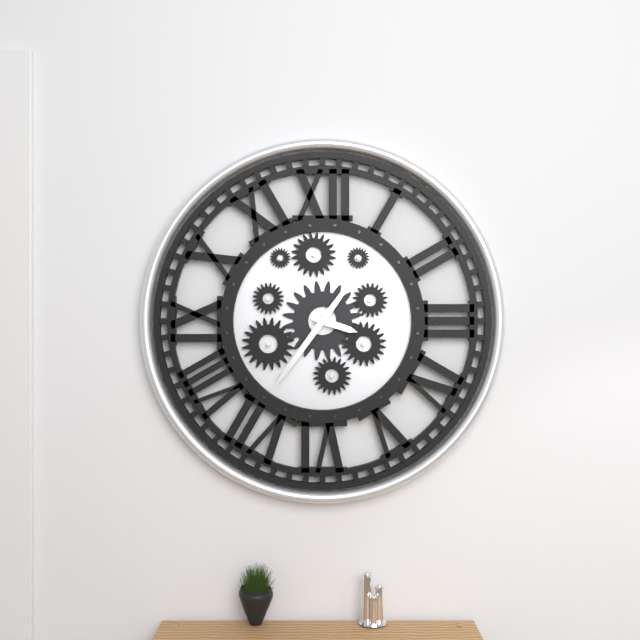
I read {"hour": 3, "minute": 36}
